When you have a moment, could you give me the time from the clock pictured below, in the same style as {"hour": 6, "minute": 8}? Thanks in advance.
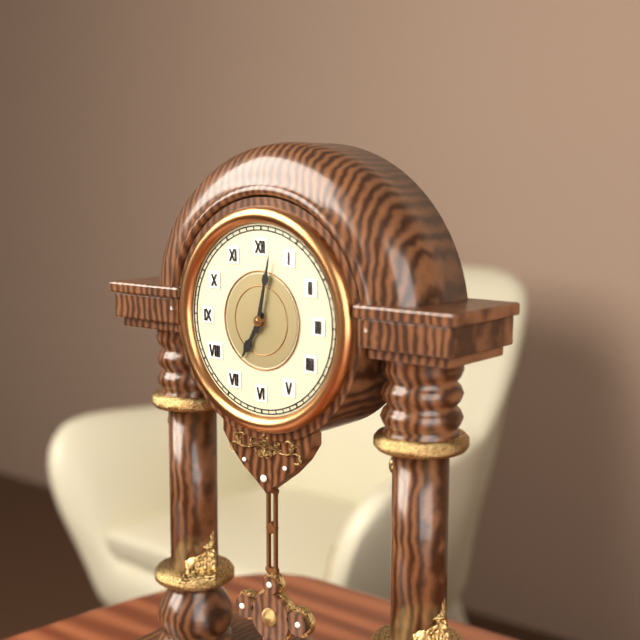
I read {"hour": 7, "minute": 2}
